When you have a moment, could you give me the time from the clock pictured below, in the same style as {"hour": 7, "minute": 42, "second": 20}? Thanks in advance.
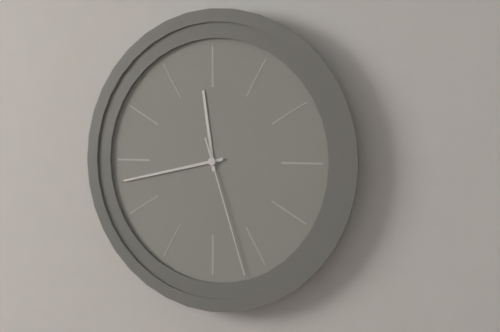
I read {"hour": 11, "minute": 43, "second": 27}
